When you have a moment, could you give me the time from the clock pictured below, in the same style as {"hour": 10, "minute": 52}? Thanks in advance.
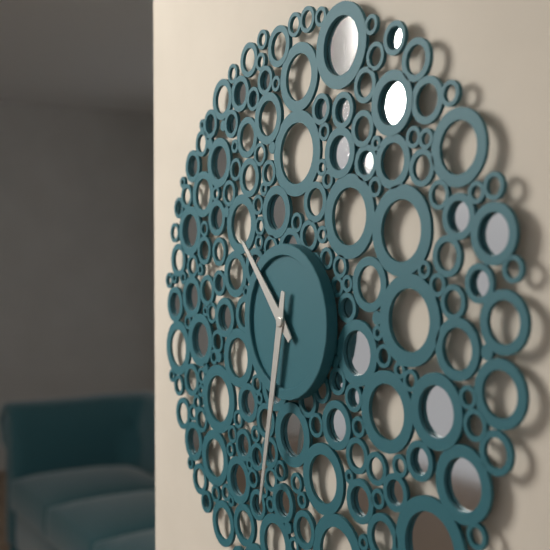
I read {"hour": 10, "minute": 32}
